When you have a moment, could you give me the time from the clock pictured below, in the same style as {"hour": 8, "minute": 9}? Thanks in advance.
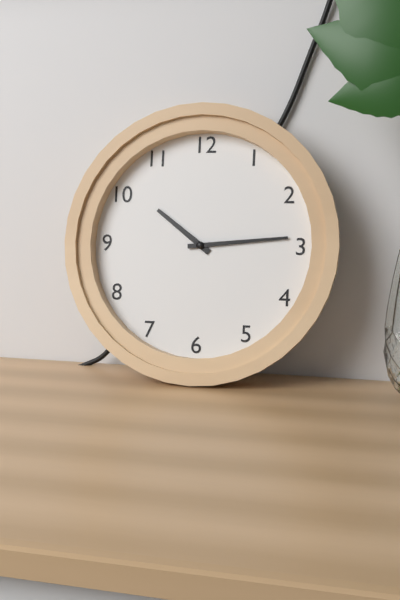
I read {"hour": 10, "minute": 14}
